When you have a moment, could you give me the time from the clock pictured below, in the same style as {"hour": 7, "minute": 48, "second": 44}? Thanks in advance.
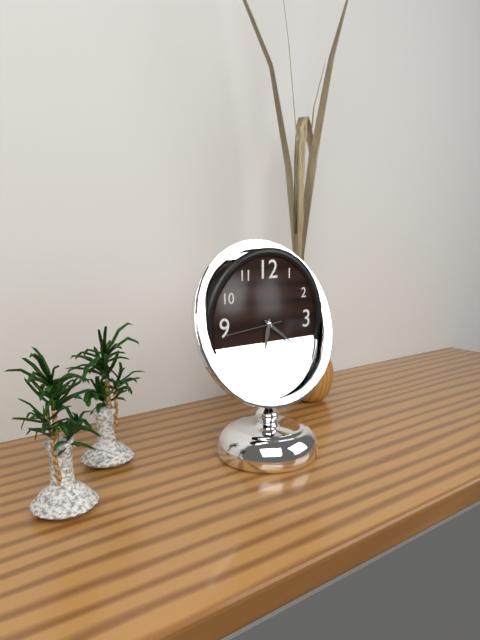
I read {"hour": 6, "minute": 21, "second": 44}
